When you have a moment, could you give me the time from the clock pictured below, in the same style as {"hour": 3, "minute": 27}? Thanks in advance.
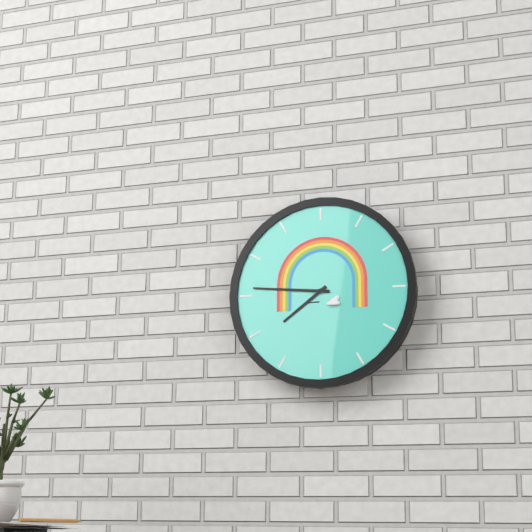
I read {"hour": 7, "minute": 46}
